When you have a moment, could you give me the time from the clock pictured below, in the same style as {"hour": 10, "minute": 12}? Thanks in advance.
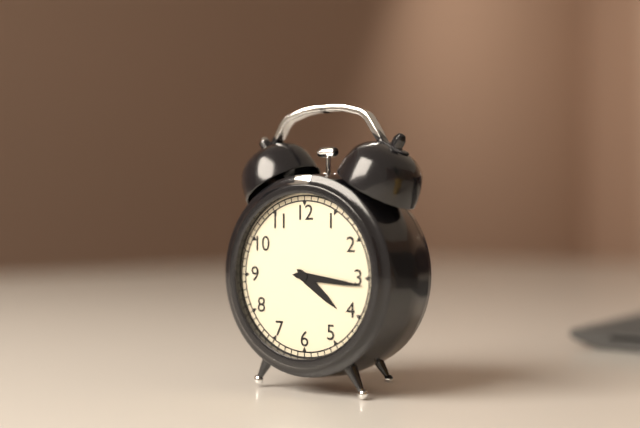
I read {"hour": 4, "minute": 16}
